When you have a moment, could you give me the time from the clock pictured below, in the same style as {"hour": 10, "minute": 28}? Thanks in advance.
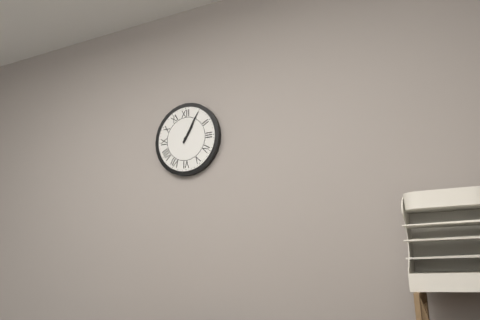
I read {"hour": 1, "minute": 5}
